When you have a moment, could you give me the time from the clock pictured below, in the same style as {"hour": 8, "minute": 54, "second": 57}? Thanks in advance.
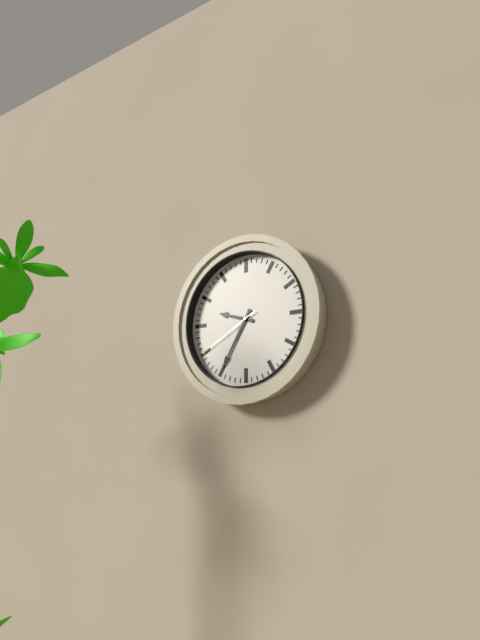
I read {"hour": 9, "minute": 35, "second": 40}
